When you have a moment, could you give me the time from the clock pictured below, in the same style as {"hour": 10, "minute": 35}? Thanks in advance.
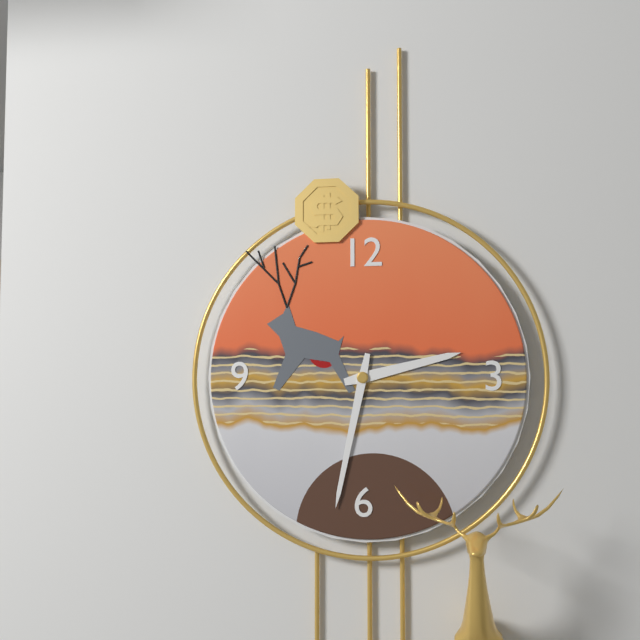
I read {"hour": 2, "minute": 32}
